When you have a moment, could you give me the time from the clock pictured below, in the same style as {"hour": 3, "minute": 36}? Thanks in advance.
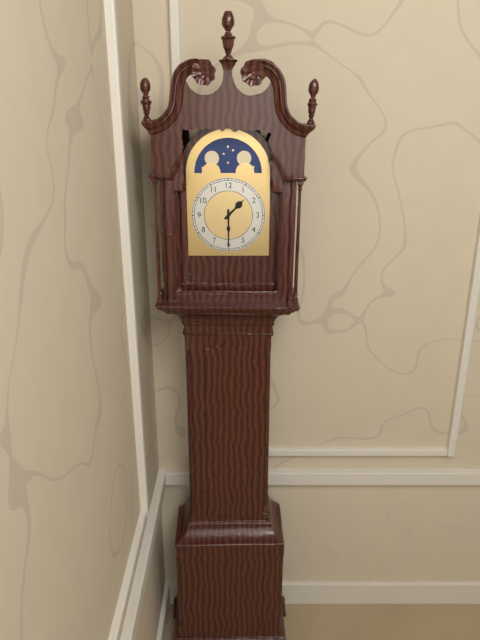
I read {"hour": 1, "minute": 30}
